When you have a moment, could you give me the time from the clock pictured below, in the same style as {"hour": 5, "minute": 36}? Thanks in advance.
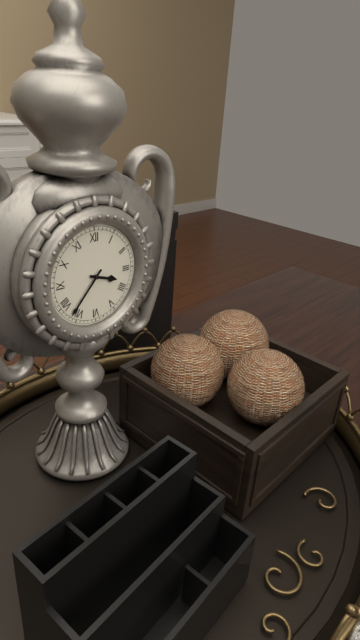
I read {"hour": 3, "minute": 37}
